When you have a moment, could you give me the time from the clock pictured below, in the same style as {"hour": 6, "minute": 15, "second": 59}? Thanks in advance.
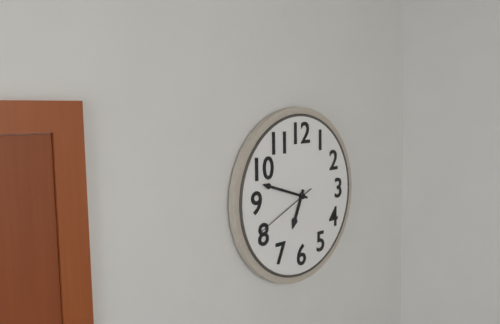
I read {"hour": 6, "minute": 48, "second": 41}
